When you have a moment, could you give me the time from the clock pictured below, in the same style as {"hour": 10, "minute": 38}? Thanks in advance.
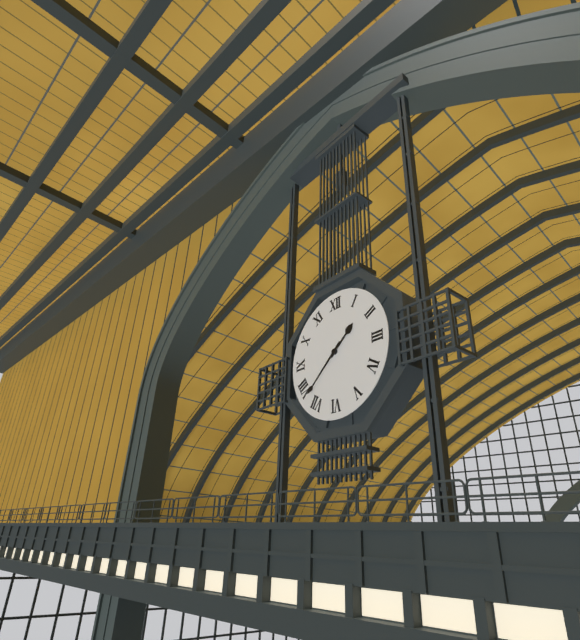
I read {"hour": 1, "minute": 38}
